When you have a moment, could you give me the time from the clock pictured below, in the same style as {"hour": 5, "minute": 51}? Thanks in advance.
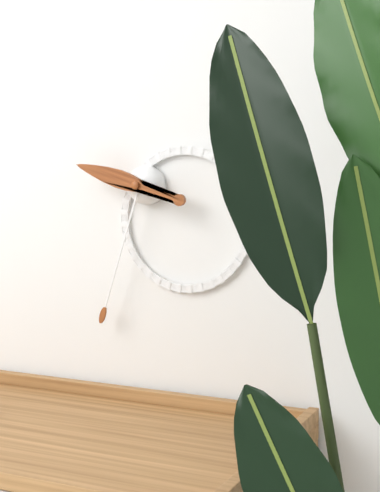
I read {"hour": 9, "minute": 33}
